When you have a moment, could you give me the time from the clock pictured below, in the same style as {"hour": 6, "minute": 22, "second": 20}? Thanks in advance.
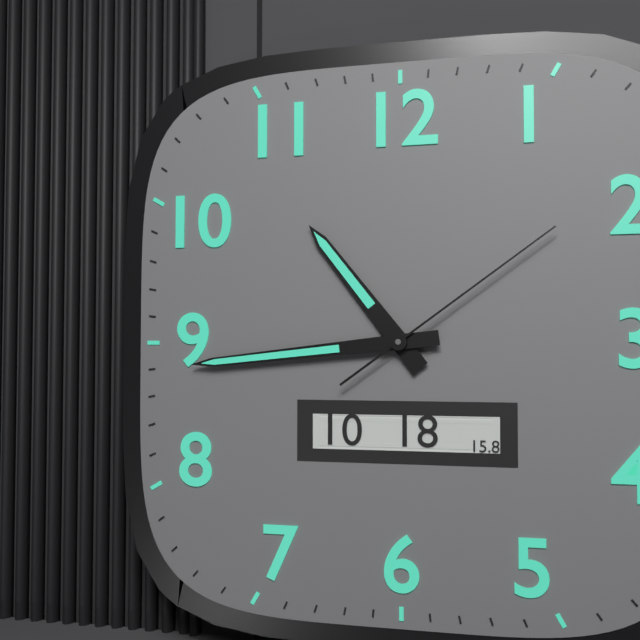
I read {"hour": 10, "minute": 44, "second": 9}
